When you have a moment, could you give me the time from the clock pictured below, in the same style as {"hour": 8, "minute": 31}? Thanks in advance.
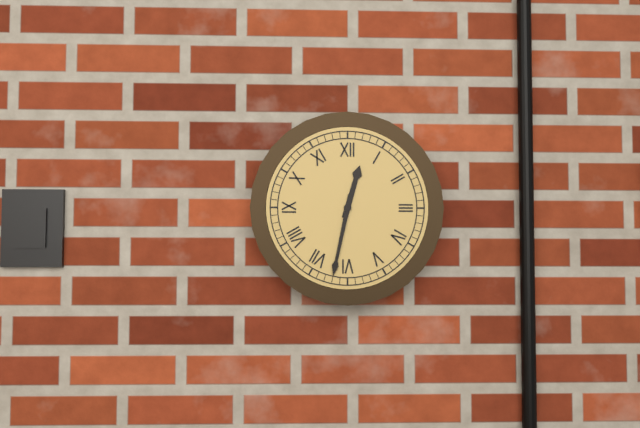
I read {"hour": 12, "minute": 32}
